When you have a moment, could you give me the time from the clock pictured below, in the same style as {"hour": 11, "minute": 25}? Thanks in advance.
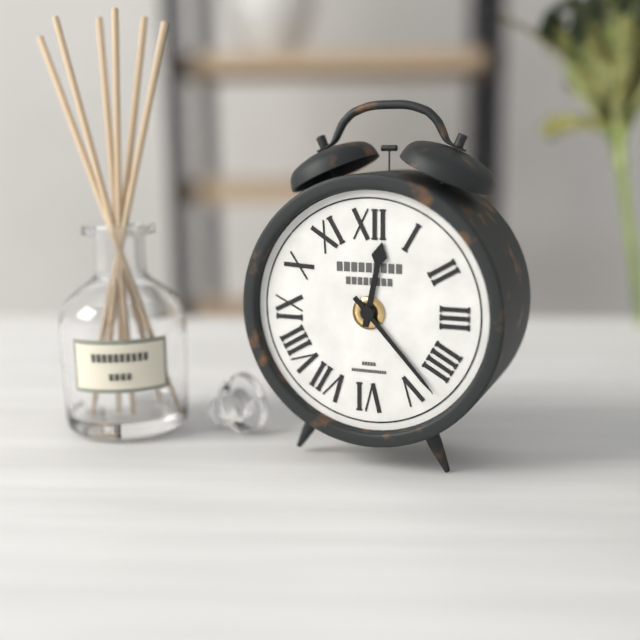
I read {"hour": 12, "minute": 23}
